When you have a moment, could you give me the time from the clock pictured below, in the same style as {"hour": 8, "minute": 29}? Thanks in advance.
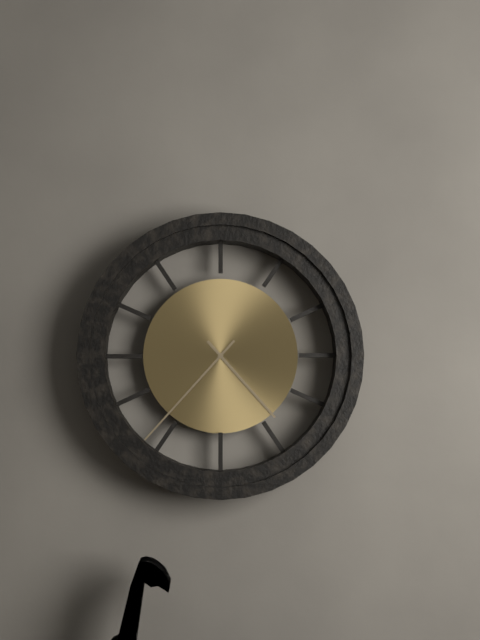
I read {"hour": 4, "minute": 37}
